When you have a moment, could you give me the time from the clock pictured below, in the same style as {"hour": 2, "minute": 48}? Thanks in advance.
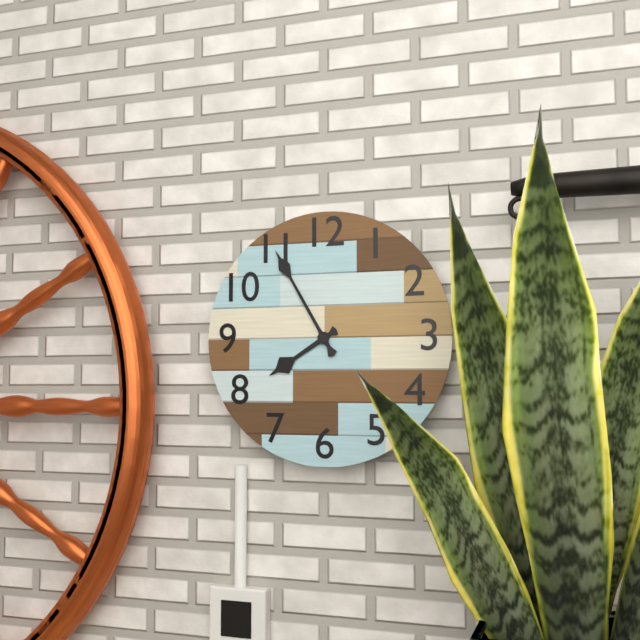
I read {"hour": 7, "minute": 55}
